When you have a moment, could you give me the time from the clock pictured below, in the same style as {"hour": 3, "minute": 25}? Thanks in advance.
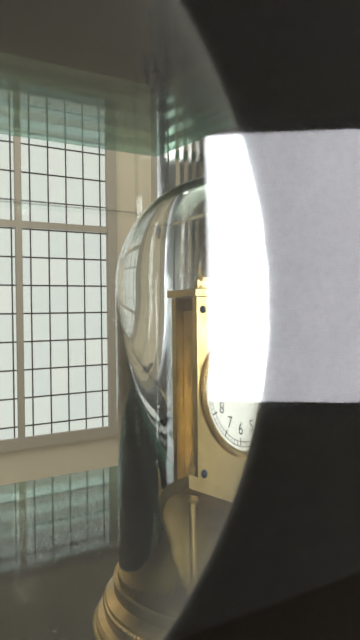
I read {"hour": 2, "minute": 43}
